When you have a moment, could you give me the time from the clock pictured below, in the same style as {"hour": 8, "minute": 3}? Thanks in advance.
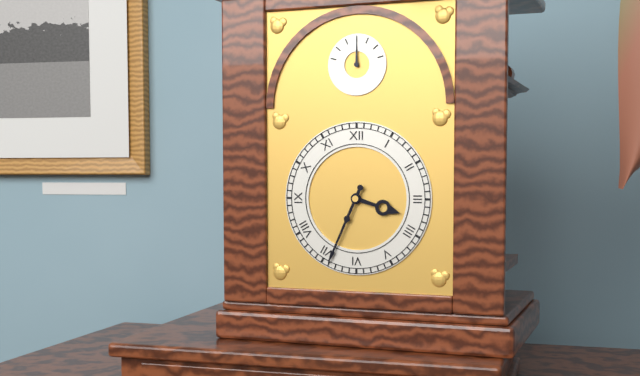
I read {"hour": 3, "minute": 34}
